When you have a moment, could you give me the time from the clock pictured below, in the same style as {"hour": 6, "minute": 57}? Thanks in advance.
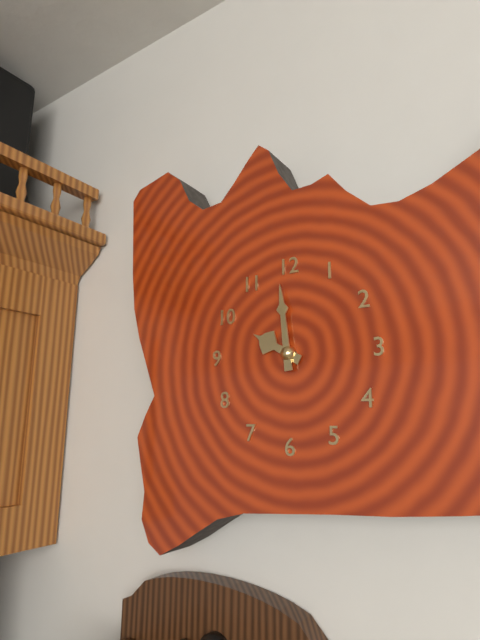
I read {"hour": 9, "minute": 59}
